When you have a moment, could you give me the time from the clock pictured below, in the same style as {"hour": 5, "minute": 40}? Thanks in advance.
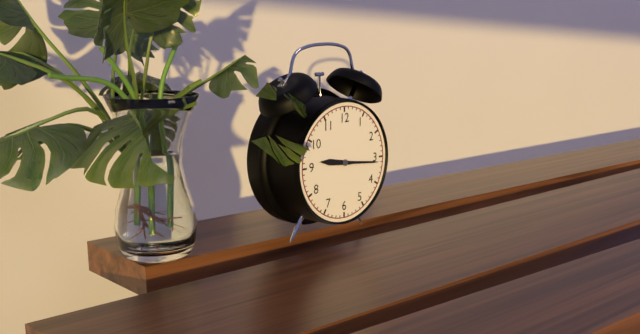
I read {"hour": 9, "minute": 16}
